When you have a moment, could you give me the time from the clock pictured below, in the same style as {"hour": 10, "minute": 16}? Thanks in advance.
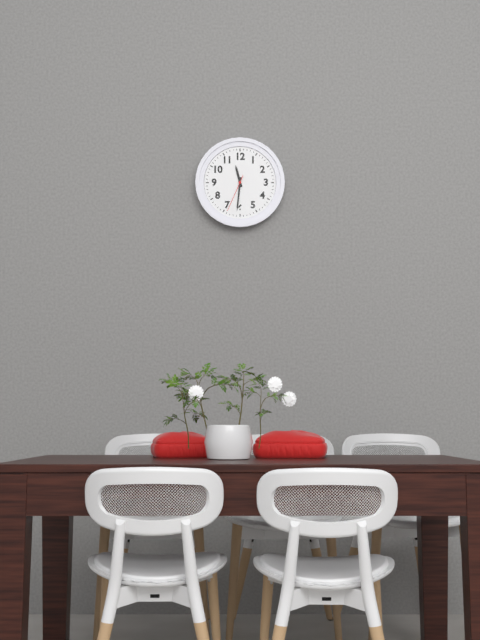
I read {"hour": 11, "minute": 31}
